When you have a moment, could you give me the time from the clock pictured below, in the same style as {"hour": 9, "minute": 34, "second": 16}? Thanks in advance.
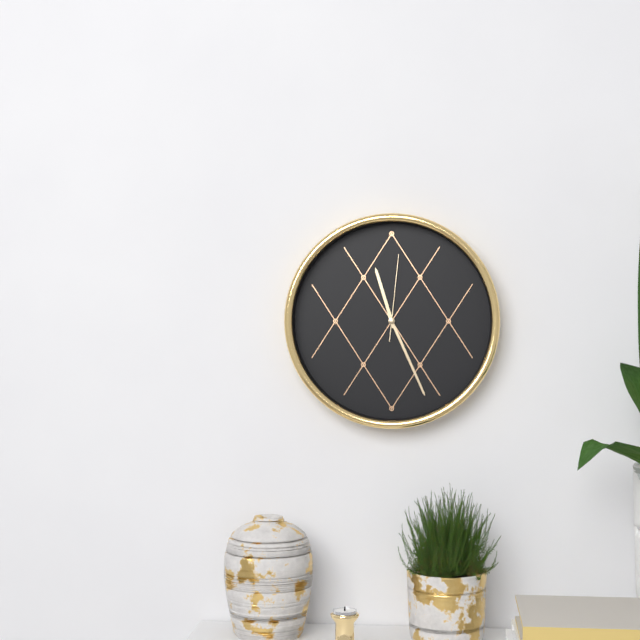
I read {"hour": 11, "minute": 26, "second": 1}
